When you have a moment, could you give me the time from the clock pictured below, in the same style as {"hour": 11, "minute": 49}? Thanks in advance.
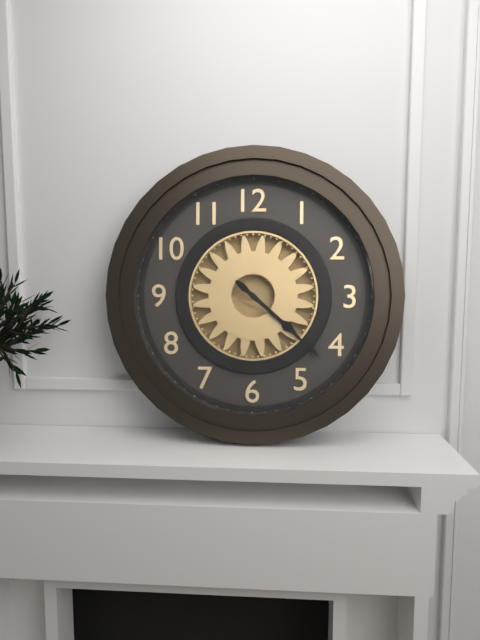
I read {"hour": 4, "minute": 22}
